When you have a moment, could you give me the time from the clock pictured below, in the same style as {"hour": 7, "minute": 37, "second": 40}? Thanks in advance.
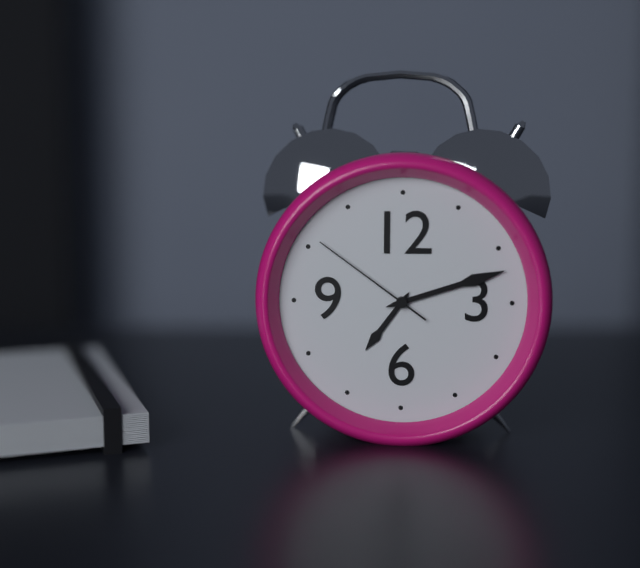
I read {"hour": 7, "minute": 12, "second": 51}
